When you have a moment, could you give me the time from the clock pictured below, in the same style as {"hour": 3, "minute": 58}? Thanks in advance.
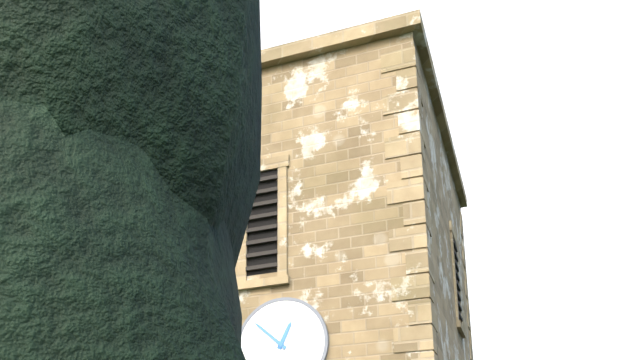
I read {"hour": 12, "minute": 52}
